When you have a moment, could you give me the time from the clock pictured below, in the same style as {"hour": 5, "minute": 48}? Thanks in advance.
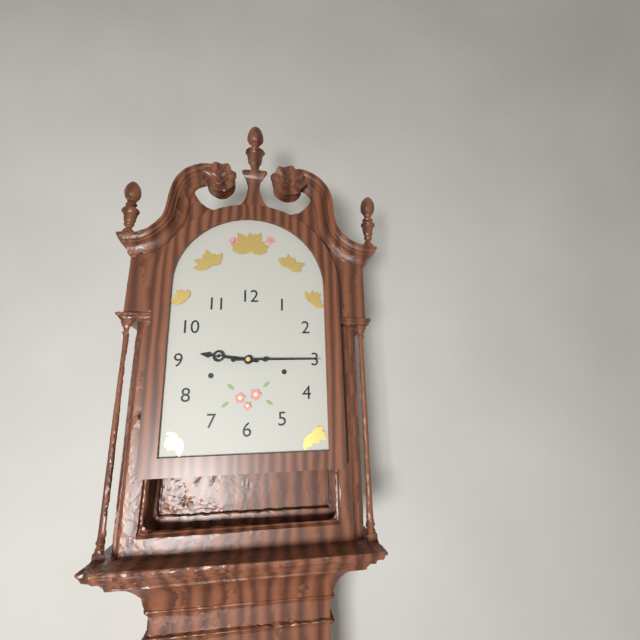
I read {"hour": 9, "minute": 15}
